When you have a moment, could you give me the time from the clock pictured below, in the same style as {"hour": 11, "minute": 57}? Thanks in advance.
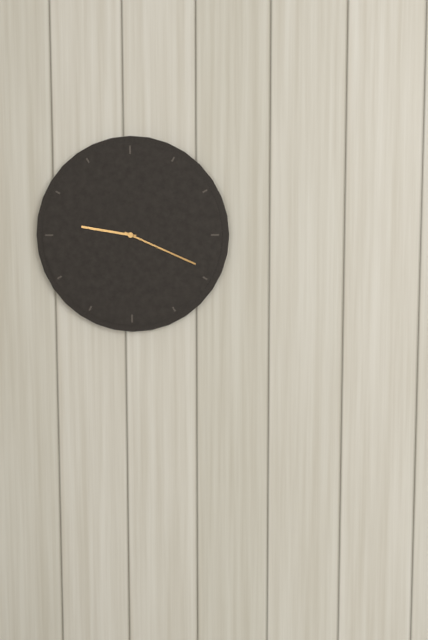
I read {"hour": 9, "minute": 19}
